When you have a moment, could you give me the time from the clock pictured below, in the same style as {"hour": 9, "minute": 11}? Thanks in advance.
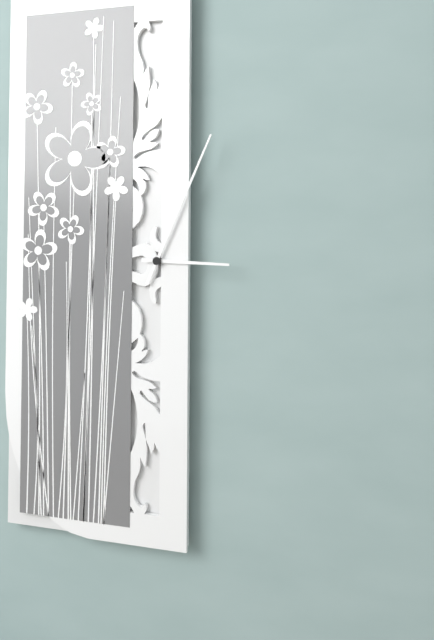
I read {"hour": 3, "minute": 4}
